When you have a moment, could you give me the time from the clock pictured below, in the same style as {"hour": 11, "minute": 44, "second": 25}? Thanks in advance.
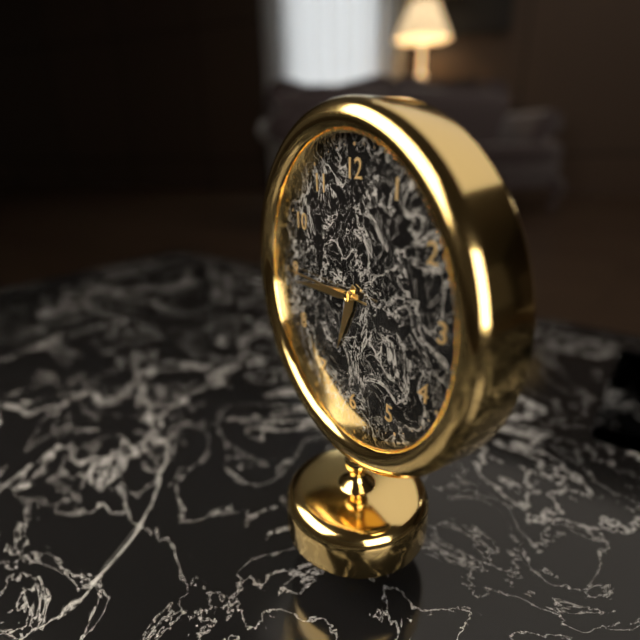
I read {"hour": 6, "minute": 44, "second": 45}
